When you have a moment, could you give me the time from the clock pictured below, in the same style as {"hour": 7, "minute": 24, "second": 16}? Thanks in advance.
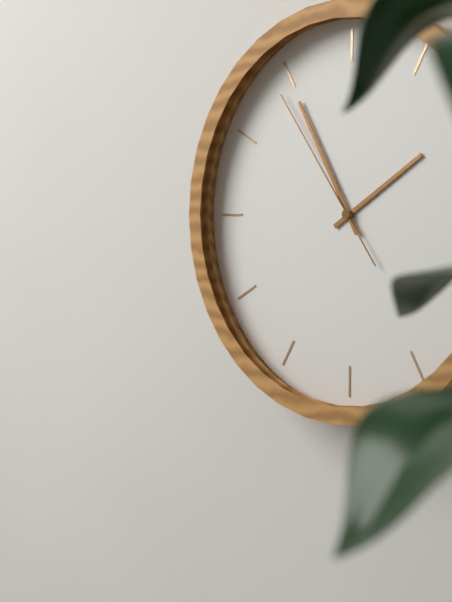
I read {"hour": 1, "minute": 55, "second": 54}
